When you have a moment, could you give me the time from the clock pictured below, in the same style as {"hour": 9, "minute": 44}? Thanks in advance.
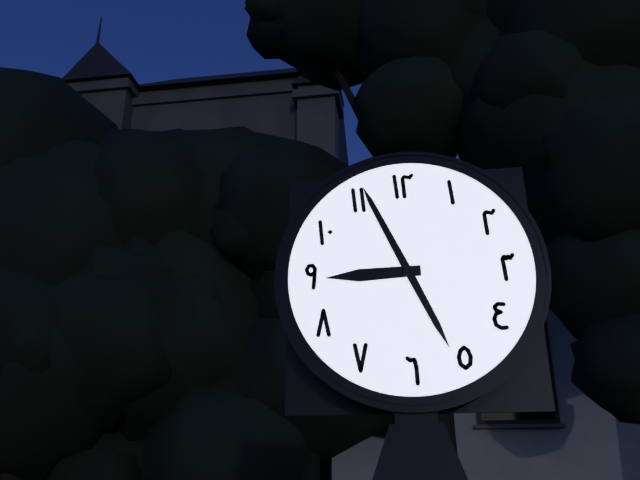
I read {"hour": 8, "minute": 56}
